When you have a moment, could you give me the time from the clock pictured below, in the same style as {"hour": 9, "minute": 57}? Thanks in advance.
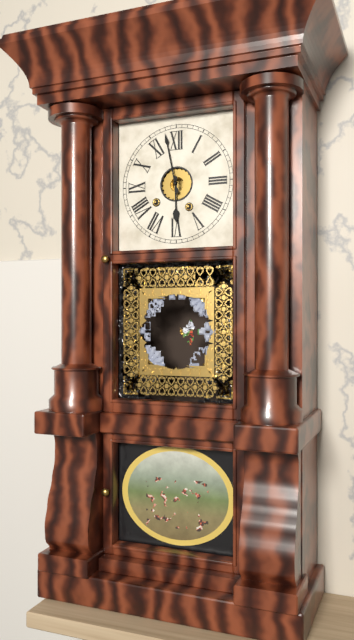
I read {"hour": 5, "minute": 58}
